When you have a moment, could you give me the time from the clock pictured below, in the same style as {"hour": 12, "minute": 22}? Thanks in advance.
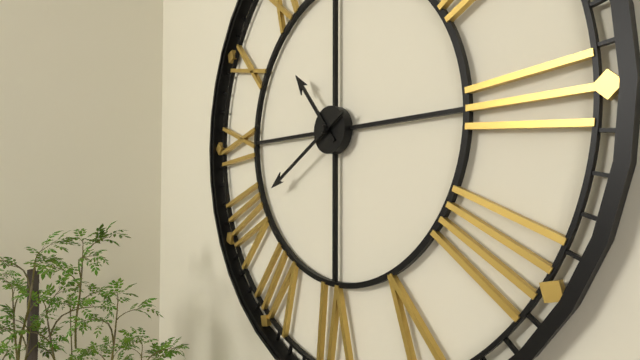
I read {"hour": 10, "minute": 40}
